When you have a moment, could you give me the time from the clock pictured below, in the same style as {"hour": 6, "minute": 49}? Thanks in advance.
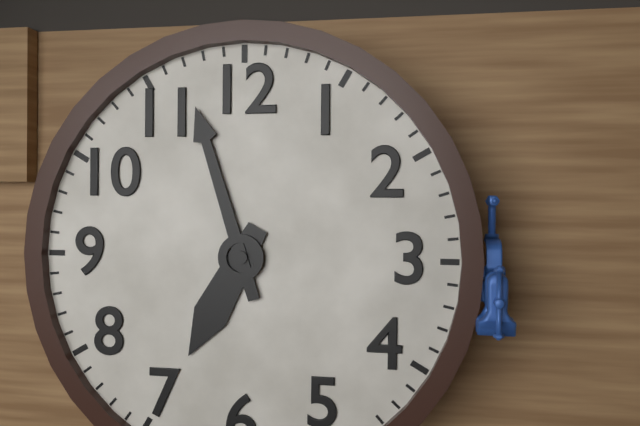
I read {"hour": 6, "minute": 57}
